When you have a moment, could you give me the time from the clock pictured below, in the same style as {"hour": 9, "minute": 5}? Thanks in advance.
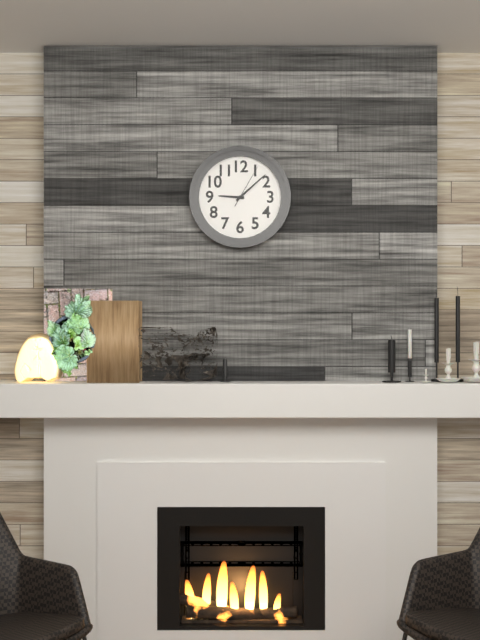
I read {"hour": 9, "minute": 8}
